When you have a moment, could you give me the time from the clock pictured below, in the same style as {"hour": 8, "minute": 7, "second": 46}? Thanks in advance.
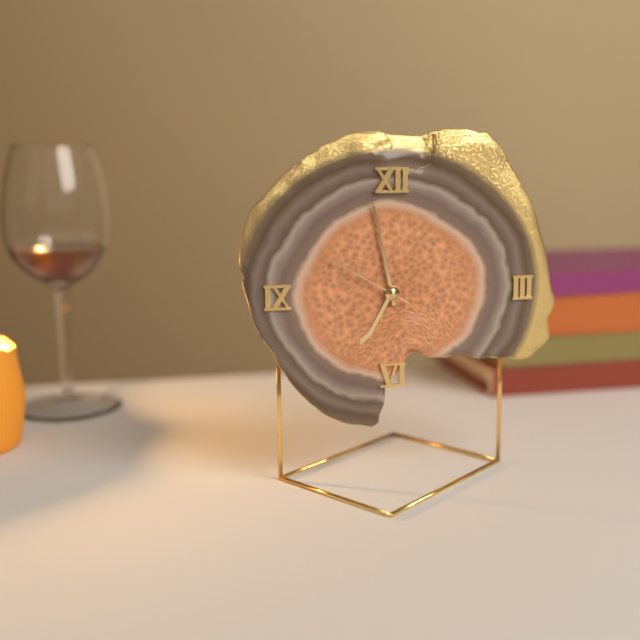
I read {"hour": 6, "minute": 58, "second": 50}
